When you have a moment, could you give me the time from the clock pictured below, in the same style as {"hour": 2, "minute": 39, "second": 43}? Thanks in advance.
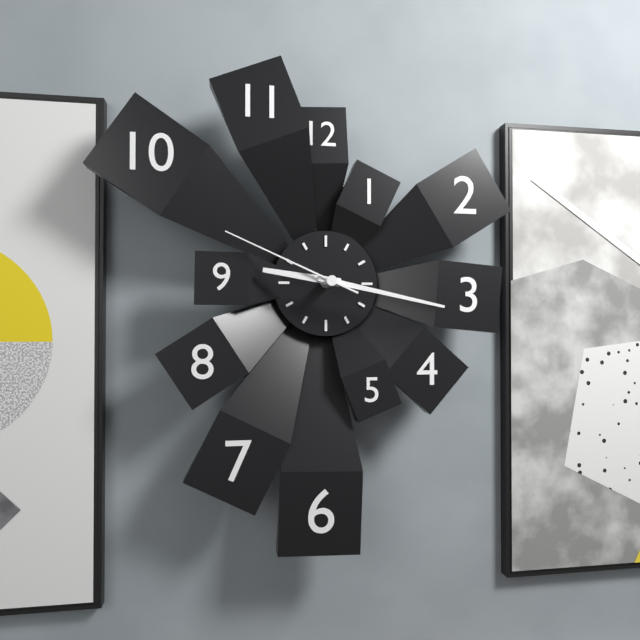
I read {"hour": 9, "minute": 17, "second": 49}
